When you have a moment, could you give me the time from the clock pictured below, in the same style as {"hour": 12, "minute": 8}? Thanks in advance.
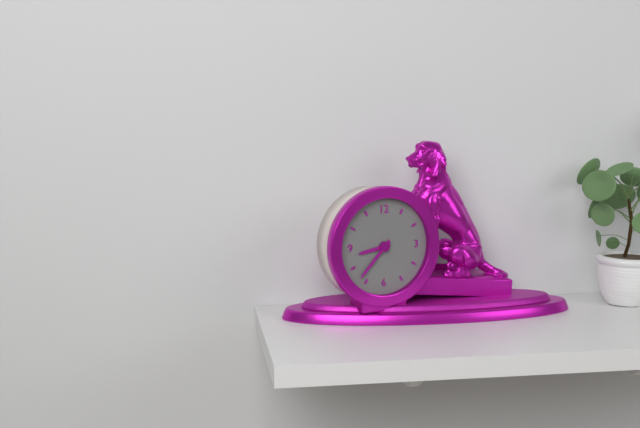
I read {"hour": 8, "minute": 37}
